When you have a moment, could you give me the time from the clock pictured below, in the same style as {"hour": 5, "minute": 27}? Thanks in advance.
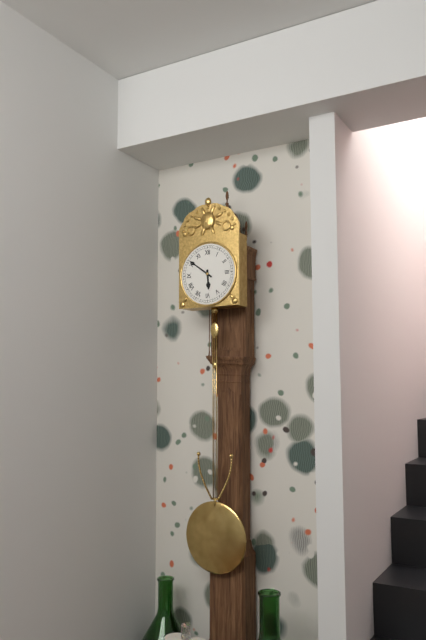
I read {"hour": 5, "minute": 51}
